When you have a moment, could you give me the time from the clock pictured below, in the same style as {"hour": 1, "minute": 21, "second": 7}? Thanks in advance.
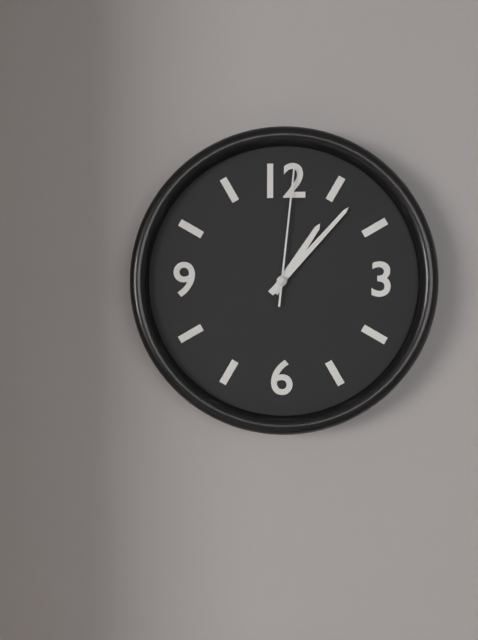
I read {"hour": 1, "minute": 7, "second": 1}
